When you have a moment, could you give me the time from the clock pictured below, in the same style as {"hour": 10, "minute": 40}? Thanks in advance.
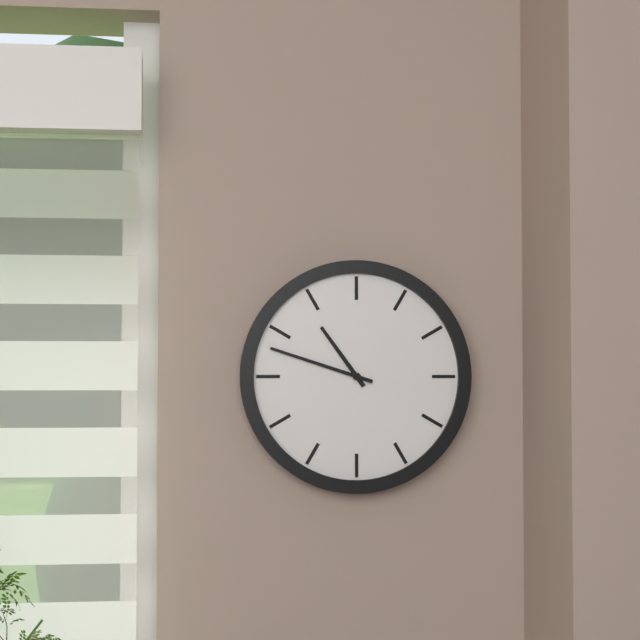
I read {"hour": 10, "minute": 48}
